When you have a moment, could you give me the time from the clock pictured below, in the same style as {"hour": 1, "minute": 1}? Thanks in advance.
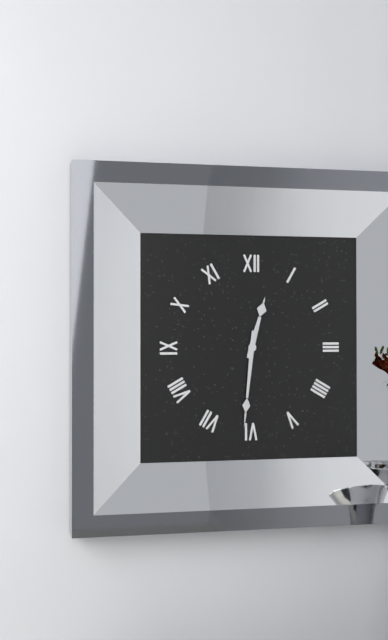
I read {"hour": 12, "minute": 31}
